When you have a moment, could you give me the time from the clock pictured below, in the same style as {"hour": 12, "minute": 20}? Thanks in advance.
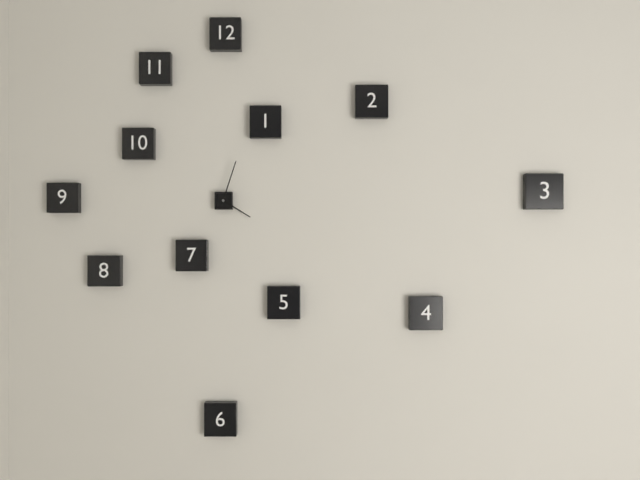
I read {"hour": 4, "minute": 3}
